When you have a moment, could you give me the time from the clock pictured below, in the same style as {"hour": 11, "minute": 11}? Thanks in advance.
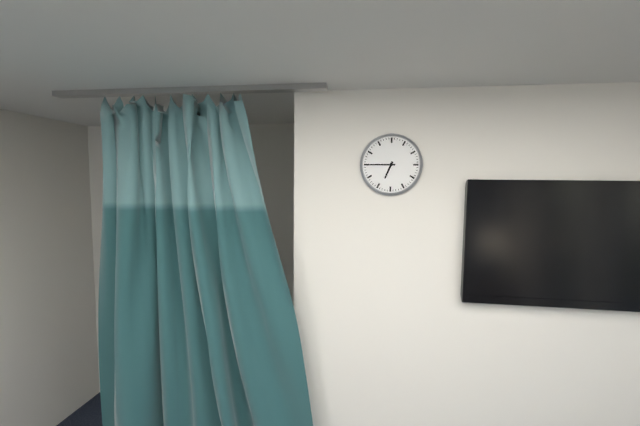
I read {"hour": 6, "minute": 45}
